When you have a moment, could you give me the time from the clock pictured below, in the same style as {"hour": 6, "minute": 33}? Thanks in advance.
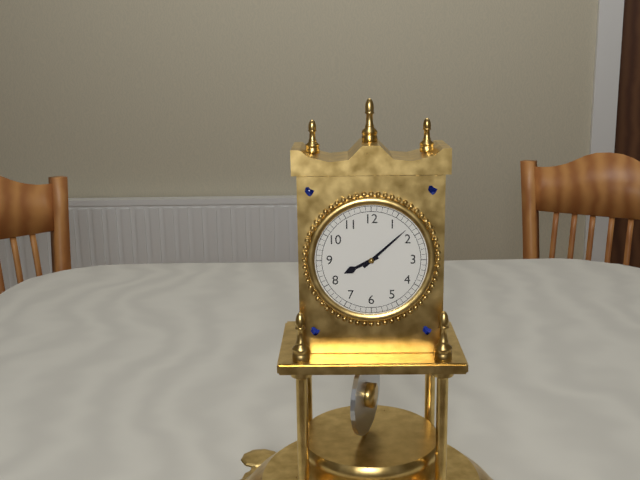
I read {"hour": 8, "minute": 8}
